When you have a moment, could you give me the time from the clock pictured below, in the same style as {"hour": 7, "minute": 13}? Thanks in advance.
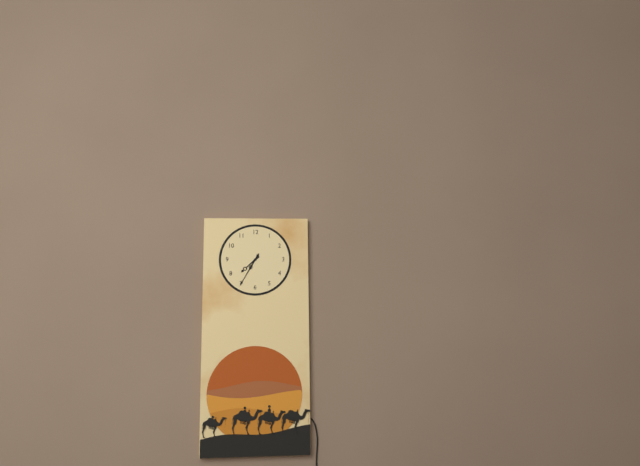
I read {"hour": 7, "minute": 35}
